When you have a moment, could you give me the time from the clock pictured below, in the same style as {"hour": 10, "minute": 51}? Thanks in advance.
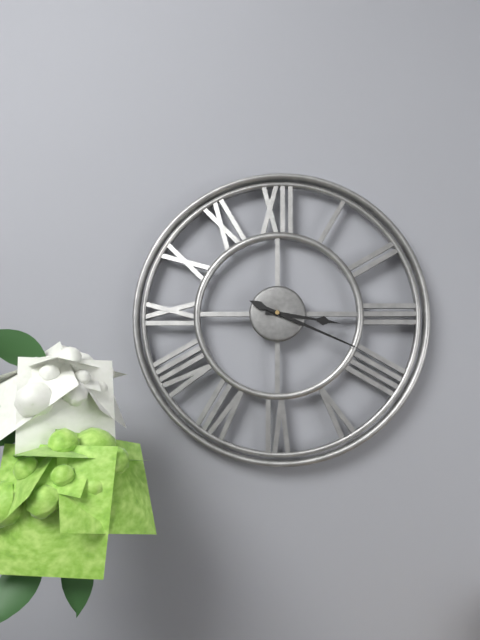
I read {"hour": 3, "minute": 19}
